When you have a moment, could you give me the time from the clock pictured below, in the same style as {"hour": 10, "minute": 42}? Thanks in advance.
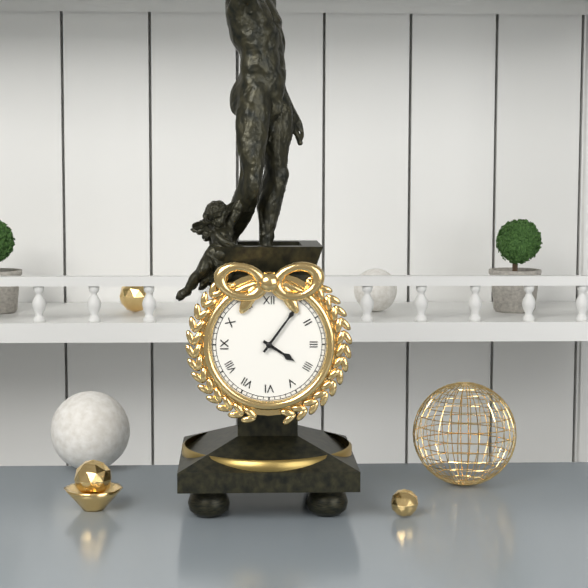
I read {"hour": 4, "minute": 6}
